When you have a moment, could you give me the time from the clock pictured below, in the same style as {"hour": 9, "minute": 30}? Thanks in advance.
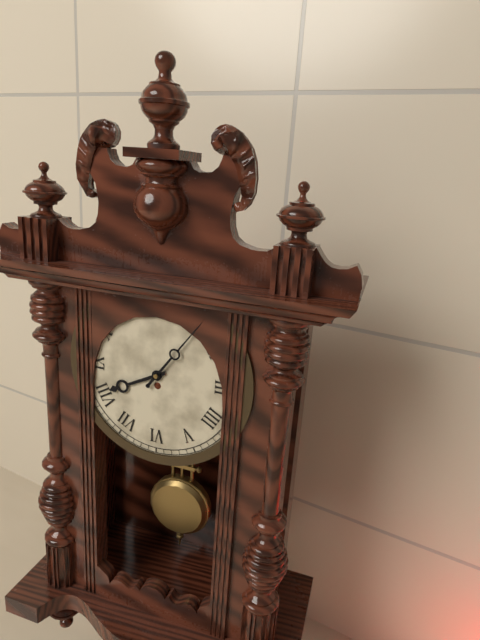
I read {"hour": 8, "minute": 6}
